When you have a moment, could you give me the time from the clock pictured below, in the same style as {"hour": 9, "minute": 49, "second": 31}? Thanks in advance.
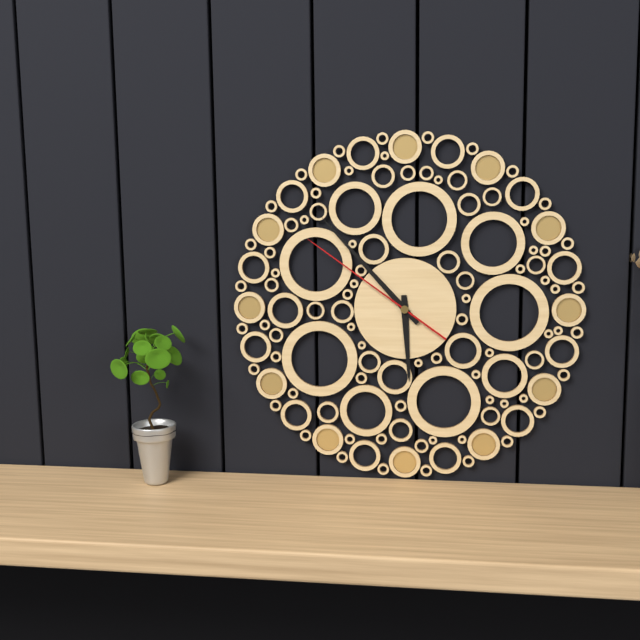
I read {"hour": 5, "minute": 53, "second": 51}
